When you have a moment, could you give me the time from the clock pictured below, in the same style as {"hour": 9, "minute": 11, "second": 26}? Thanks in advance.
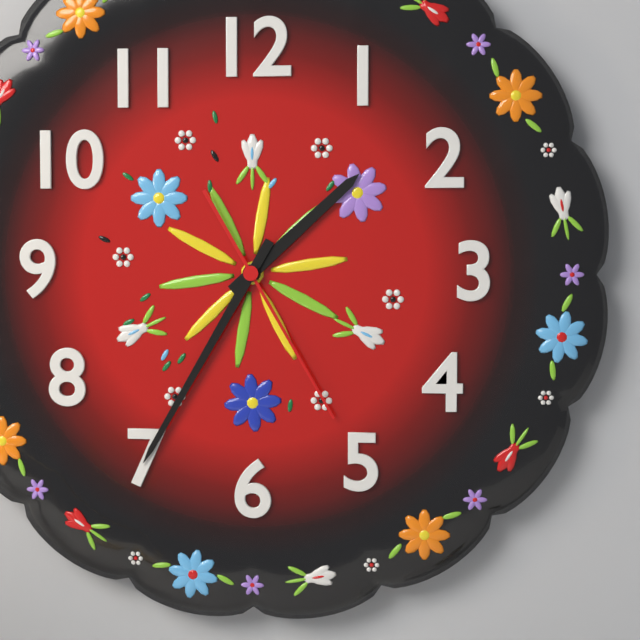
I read {"hour": 1, "minute": 35, "second": 25}
